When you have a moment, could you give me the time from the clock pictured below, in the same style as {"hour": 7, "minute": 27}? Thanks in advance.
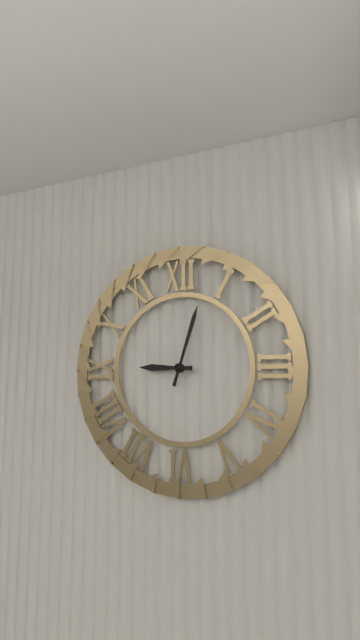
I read {"hour": 9, "minute": 3}
